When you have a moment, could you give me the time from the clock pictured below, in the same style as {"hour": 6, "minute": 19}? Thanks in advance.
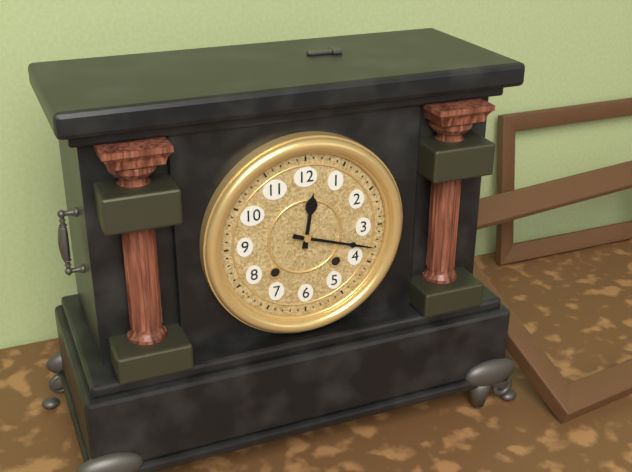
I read {"hour": 12, "minute": 18}
